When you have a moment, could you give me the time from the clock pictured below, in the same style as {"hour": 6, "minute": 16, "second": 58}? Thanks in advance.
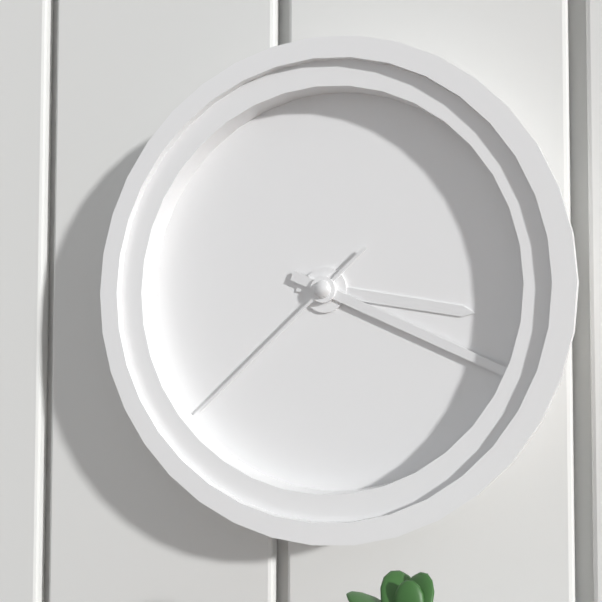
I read {"hour": 3, "minute": 19, "second": 38}
